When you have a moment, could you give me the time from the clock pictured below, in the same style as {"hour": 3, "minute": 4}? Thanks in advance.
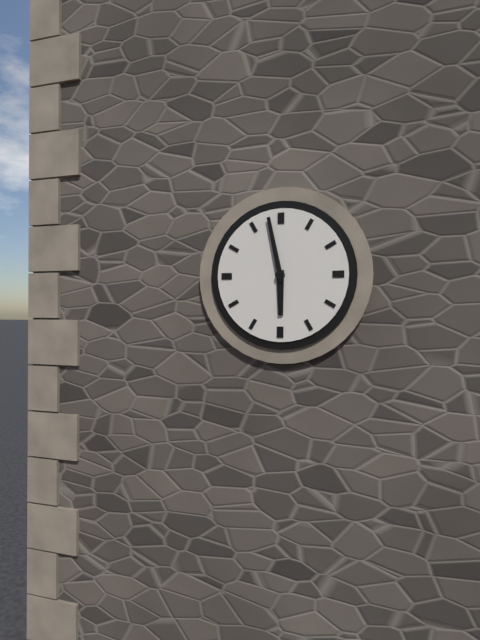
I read {"hour": 5, "minute": 58}
